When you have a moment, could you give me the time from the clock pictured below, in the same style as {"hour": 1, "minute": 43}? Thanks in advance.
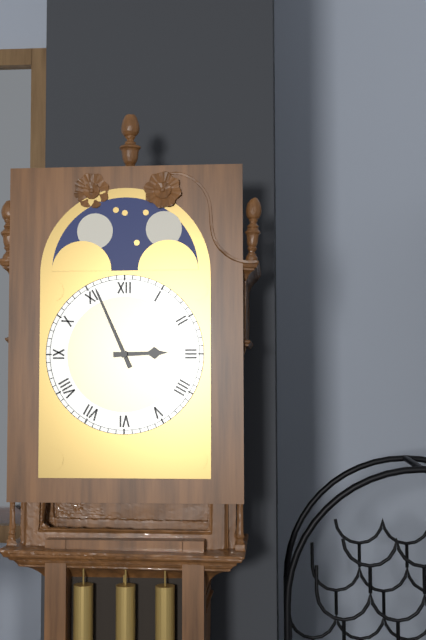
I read {"hour": 2, "minute": 56}
